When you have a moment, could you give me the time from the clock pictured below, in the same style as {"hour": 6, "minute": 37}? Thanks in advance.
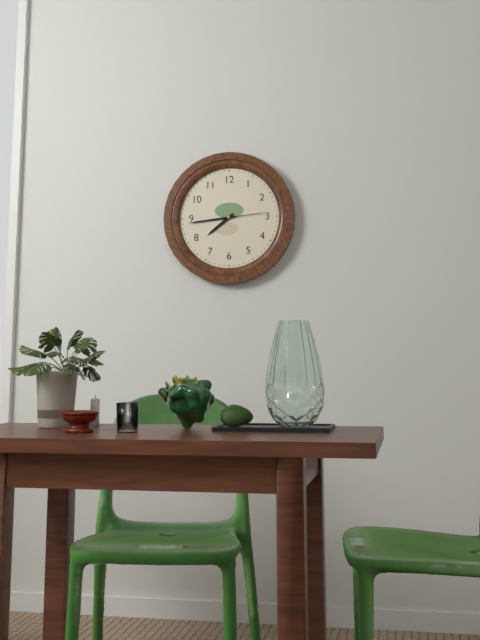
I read {"hour": 7, "minute": 44}
